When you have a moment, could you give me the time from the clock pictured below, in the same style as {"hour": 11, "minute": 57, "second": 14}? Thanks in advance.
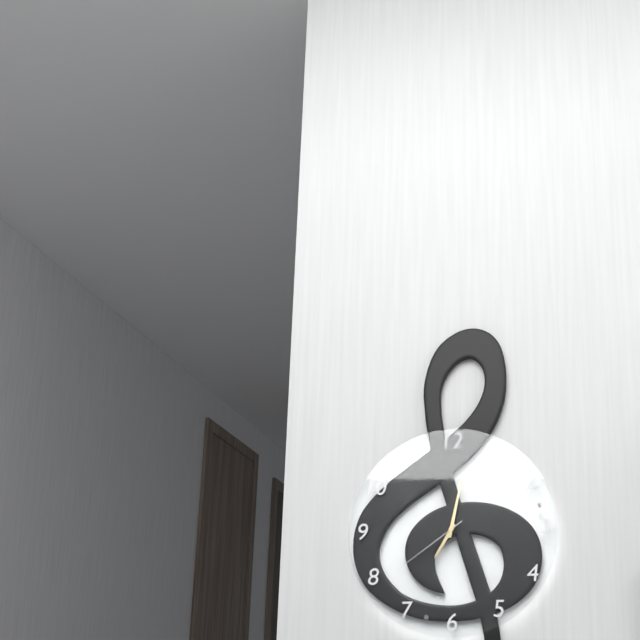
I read {"hour": 7, "minute": 2, "second": 39}
